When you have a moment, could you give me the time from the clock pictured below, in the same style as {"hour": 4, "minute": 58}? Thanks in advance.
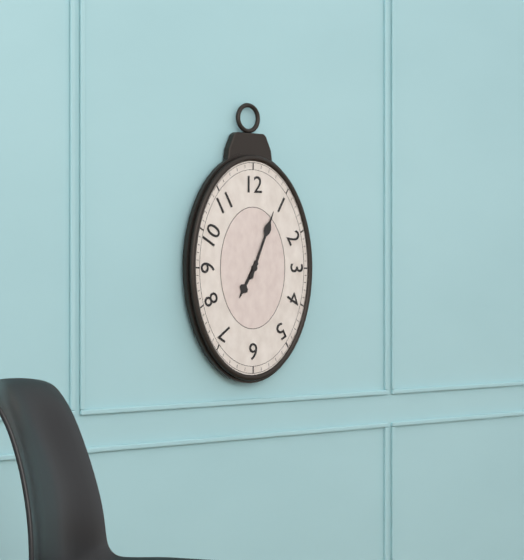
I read {"hour": 7, "minute": 4}
